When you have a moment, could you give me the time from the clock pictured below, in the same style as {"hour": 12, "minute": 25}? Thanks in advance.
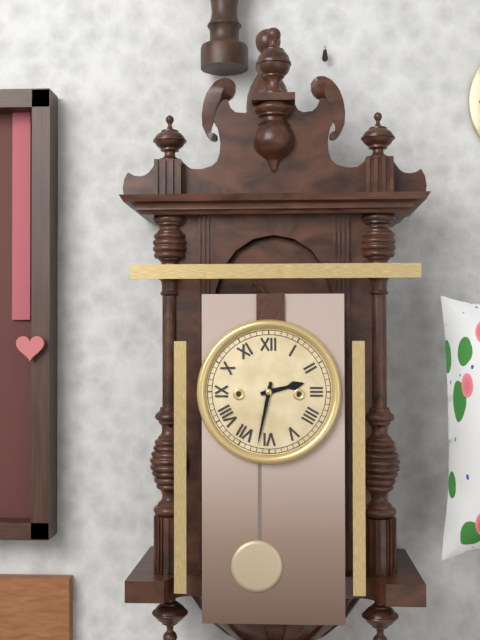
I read {"hour": 2, "minute": 32}
